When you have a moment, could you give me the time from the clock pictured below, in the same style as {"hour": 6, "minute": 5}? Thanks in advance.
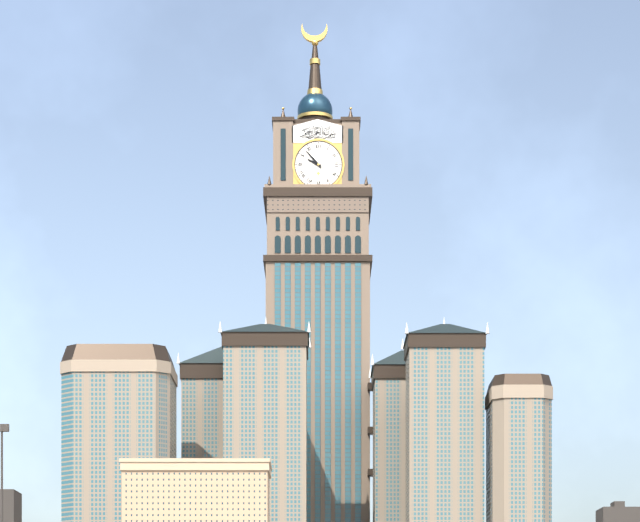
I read {"hour": 9, "minute": 53}
